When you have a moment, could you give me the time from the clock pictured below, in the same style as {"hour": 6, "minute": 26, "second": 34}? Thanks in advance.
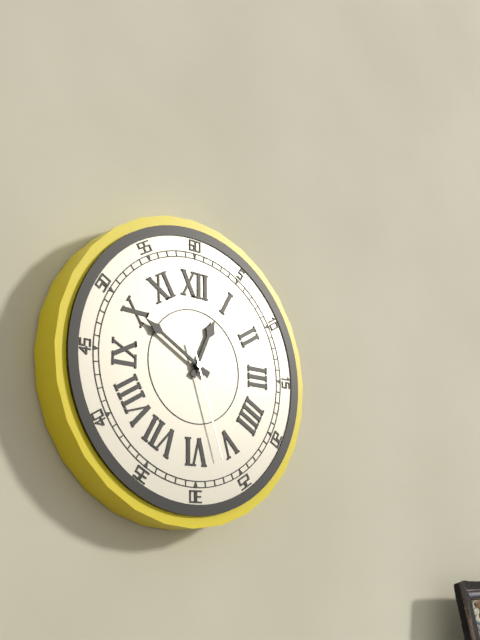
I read {"hour": 12, "minute": 50, "second": 27}
